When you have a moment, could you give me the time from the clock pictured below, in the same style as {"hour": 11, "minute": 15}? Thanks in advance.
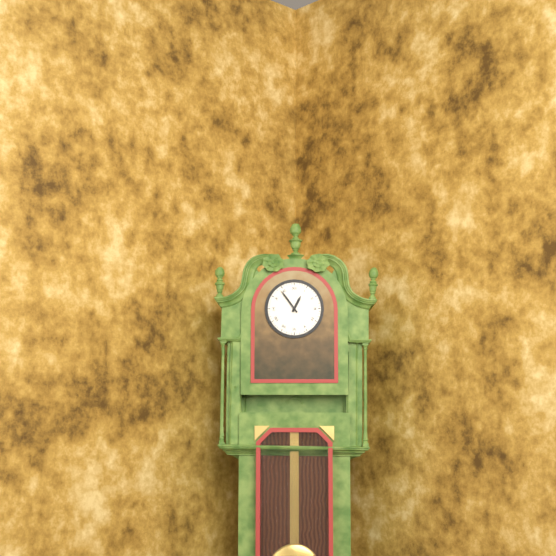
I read {"hour": 12, "minute": 54}
